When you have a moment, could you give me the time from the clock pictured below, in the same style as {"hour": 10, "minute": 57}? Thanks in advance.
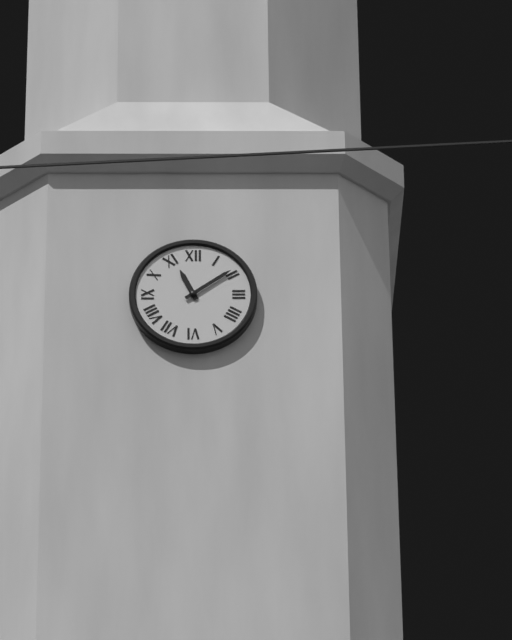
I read {"hour": 11, "minute": 9}
